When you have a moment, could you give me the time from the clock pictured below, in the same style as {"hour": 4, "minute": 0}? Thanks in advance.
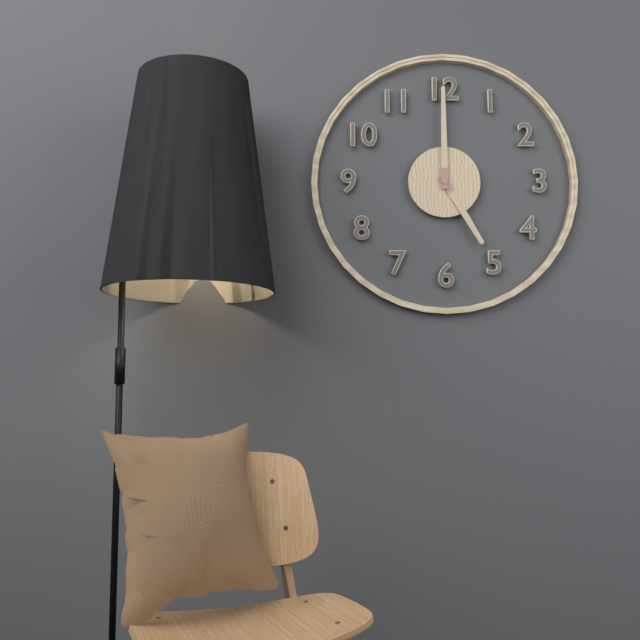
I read {"hour": 5, "minute": 0}
